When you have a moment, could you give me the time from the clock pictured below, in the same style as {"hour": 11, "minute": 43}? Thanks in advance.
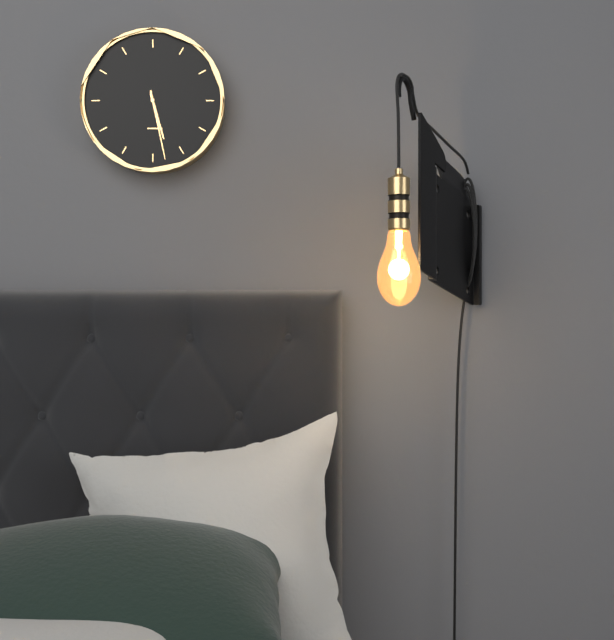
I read {"hour": 5, "minute": 28}
